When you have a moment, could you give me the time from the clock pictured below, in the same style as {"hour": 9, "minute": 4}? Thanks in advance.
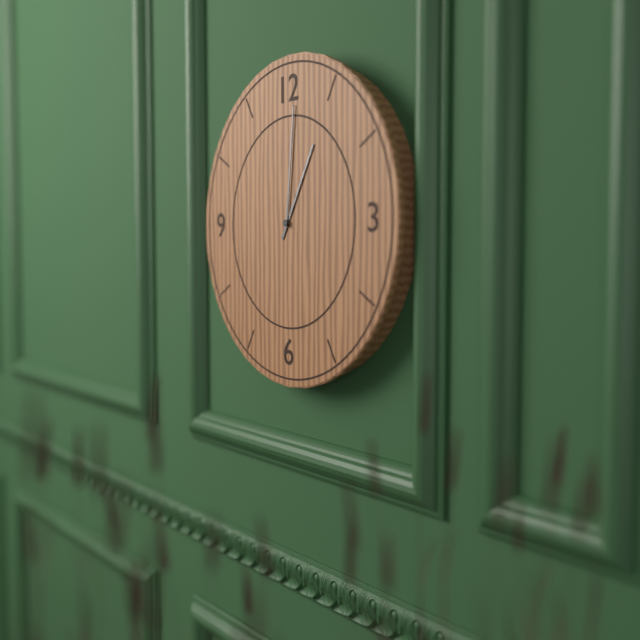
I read {"hour": 1, "minute": 1}
